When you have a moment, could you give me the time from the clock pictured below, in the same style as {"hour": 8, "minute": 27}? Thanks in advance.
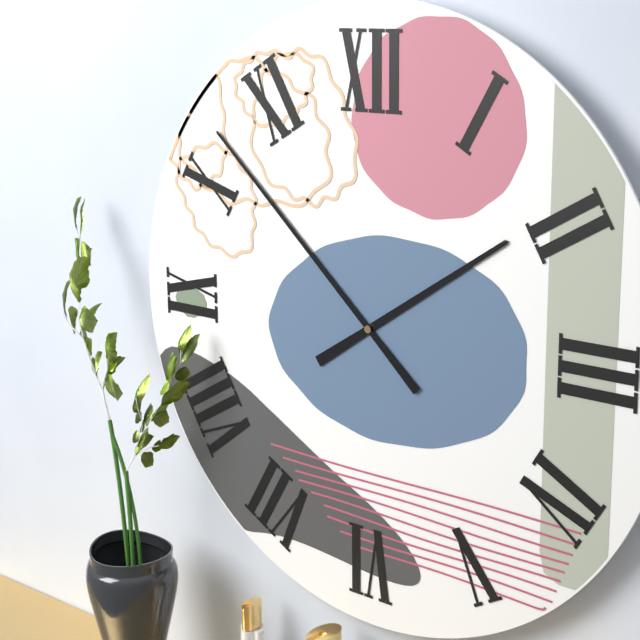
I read {"hour": 1, "minute": 52}
